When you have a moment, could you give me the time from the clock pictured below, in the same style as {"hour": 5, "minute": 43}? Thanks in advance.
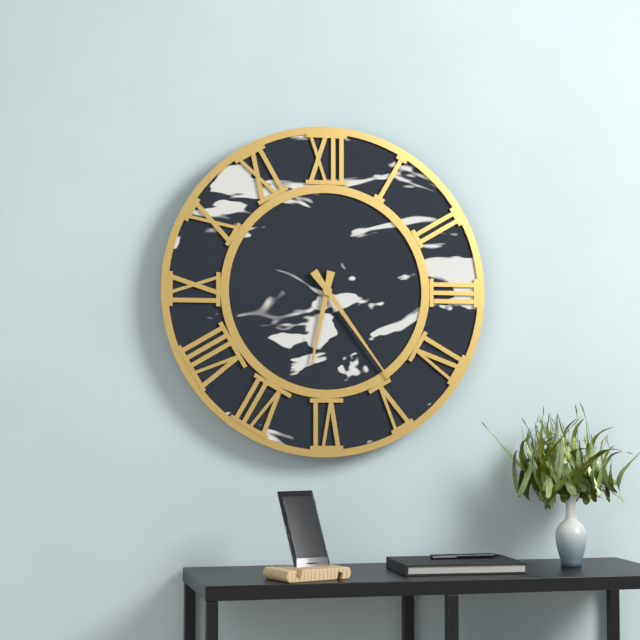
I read {"hour": 6, "minute": 24}
